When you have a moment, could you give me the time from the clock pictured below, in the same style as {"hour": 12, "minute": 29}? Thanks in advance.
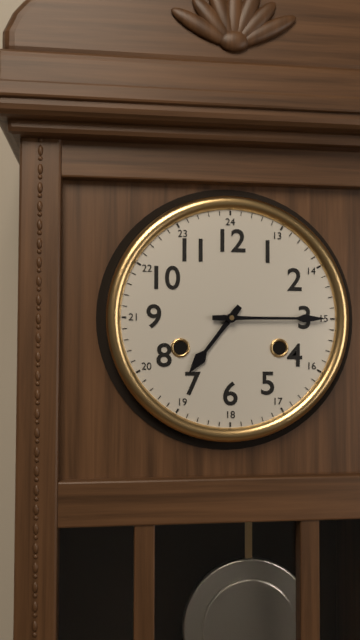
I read {"hour": 7, "minute": 15}
